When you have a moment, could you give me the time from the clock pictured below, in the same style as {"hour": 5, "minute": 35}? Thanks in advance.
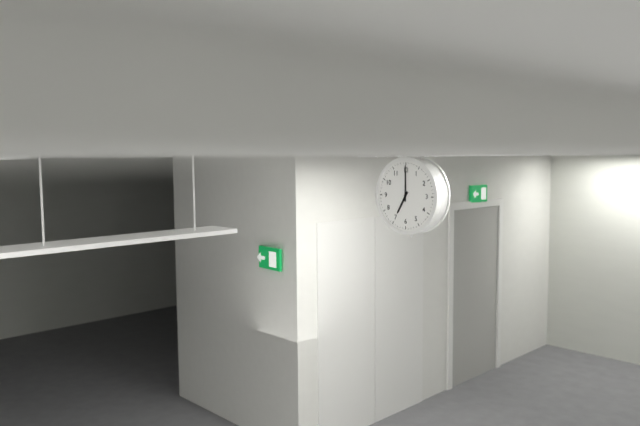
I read {"hour": 7, "minute": 0}
